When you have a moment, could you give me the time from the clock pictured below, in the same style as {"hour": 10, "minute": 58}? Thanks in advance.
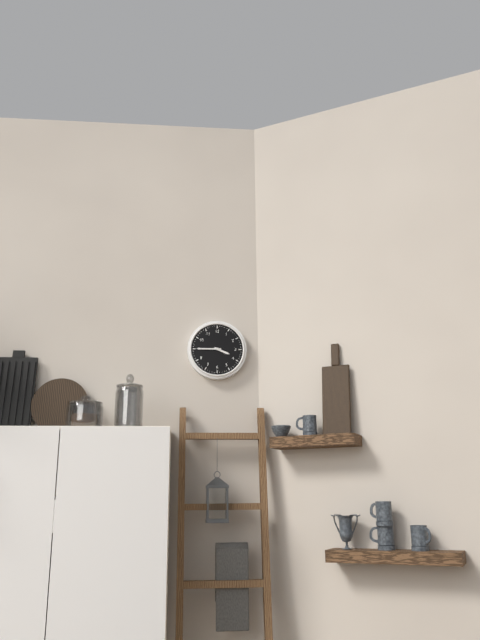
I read {"hour": 3, "minute": 45}
